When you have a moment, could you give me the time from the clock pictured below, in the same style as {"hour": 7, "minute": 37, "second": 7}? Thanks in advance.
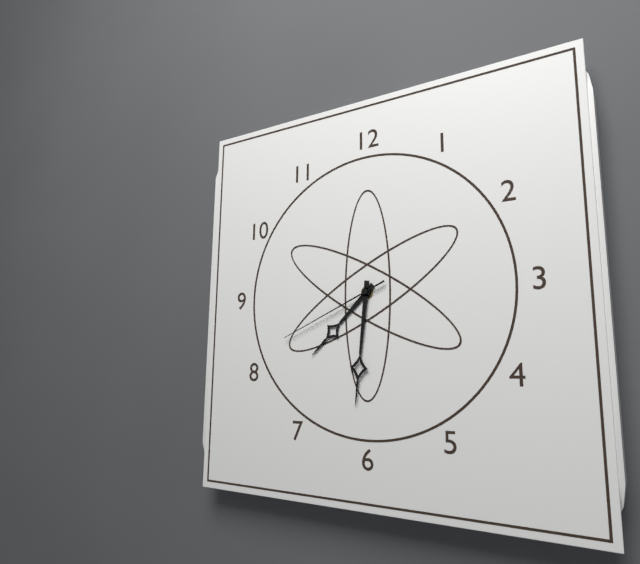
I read {"hour": 7, "minute": 31, "second": 41}
